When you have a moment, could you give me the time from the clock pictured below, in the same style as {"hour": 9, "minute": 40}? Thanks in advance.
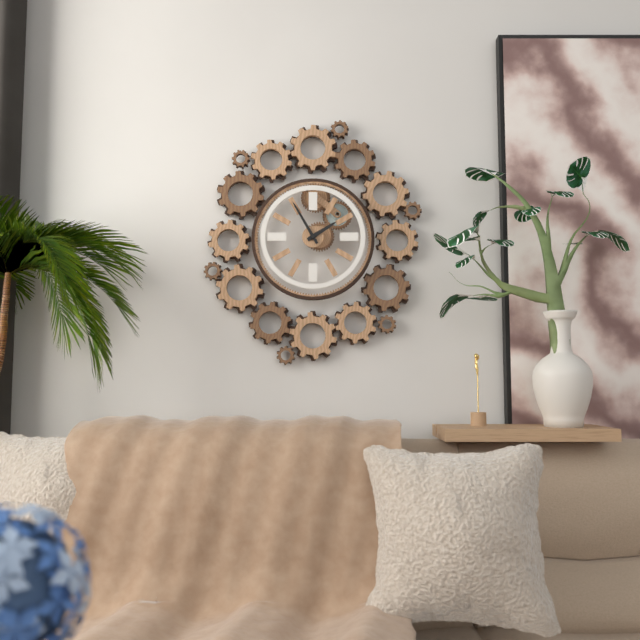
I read {"hour": 1, "minute": 55}
